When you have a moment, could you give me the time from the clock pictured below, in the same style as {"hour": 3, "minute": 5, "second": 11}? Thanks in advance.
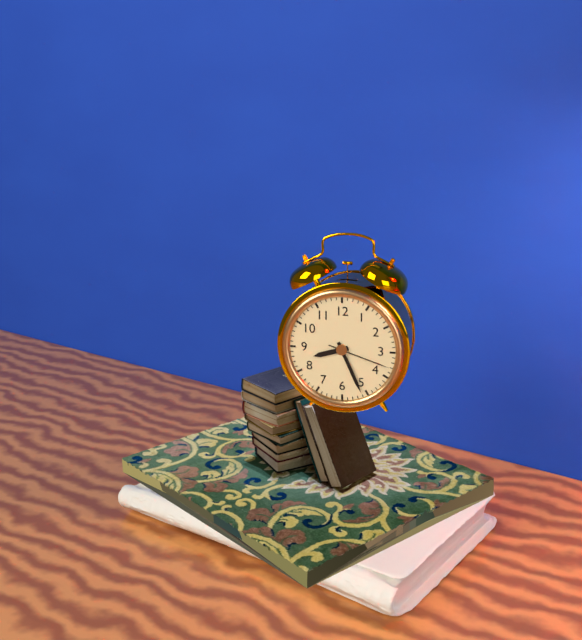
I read {"hour": 8, "minute": 26, "second": 18}
